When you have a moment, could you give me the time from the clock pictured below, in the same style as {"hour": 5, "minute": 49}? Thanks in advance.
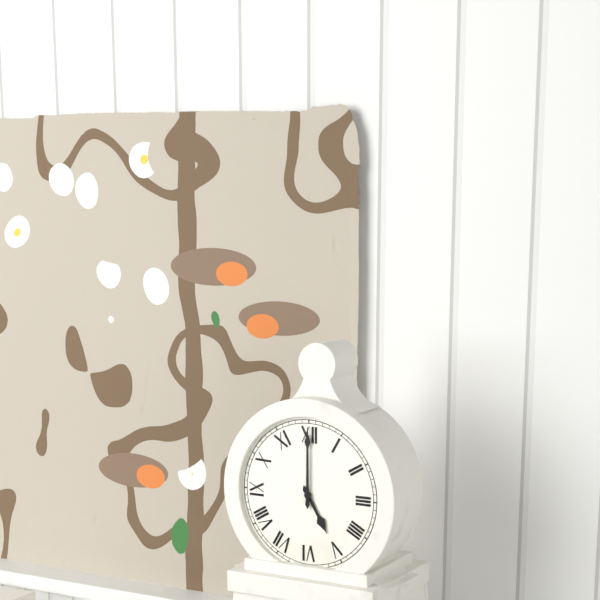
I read {"hour": 5, "minute": 0}
